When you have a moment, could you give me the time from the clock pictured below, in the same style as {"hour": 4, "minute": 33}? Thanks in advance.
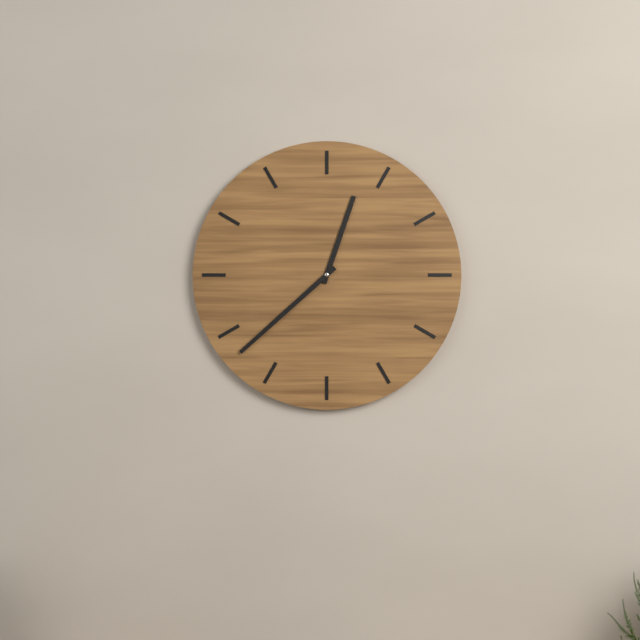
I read {"hour": 12, "minute": 38}
